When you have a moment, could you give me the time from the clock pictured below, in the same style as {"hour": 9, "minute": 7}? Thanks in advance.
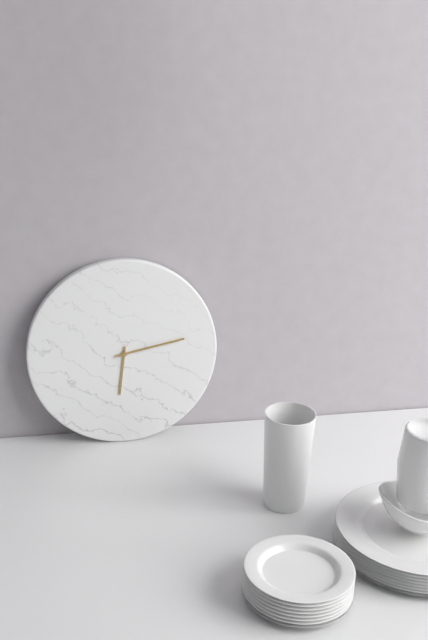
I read {"hour": 6, "minute": 13}
